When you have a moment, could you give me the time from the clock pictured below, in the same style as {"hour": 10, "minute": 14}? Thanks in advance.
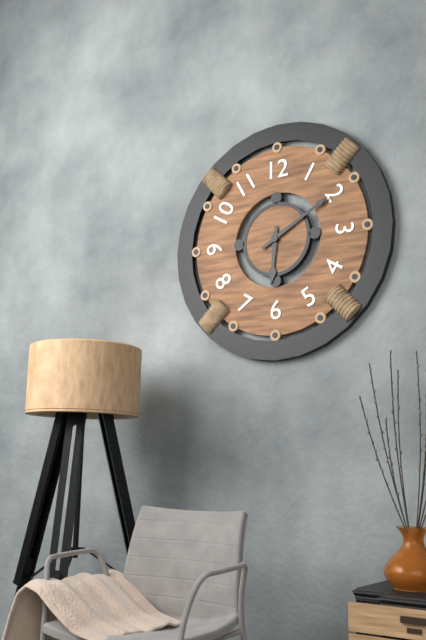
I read {"hour": 6, "minute": 10}
